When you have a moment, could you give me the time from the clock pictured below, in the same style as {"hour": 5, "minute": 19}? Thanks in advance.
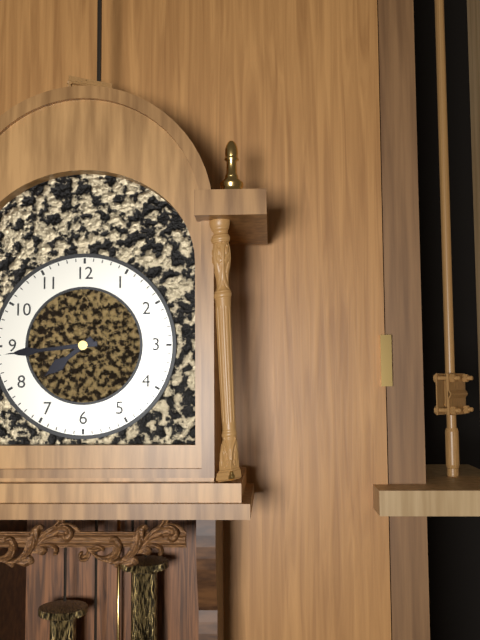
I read {"hour": 7, "minute": 44}
